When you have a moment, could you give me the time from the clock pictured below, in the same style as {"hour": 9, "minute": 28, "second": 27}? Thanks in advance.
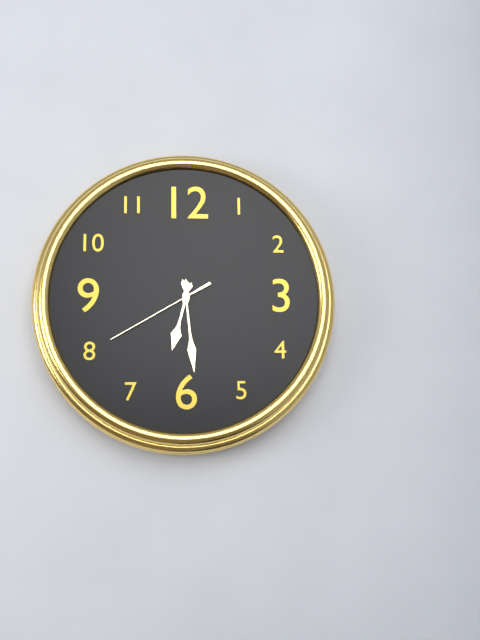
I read {"hour": 6, "minute": 29, "second": 40}
